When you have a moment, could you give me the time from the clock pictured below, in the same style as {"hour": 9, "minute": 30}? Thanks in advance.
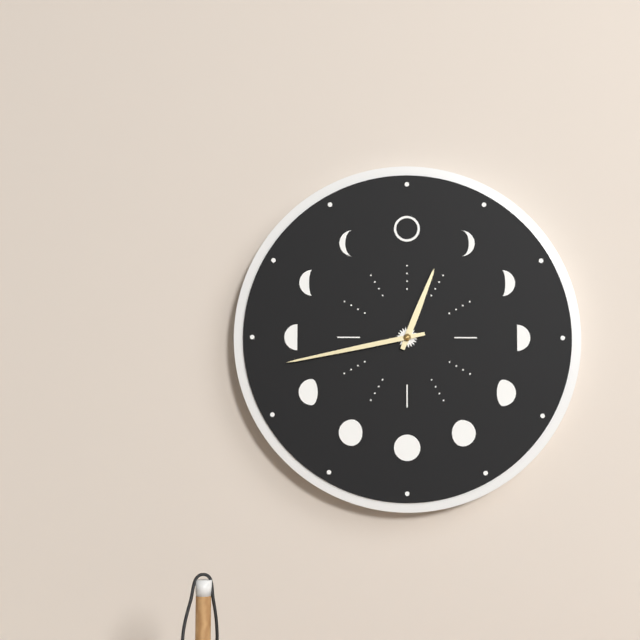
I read {"hour": 12, "minute": 43}
